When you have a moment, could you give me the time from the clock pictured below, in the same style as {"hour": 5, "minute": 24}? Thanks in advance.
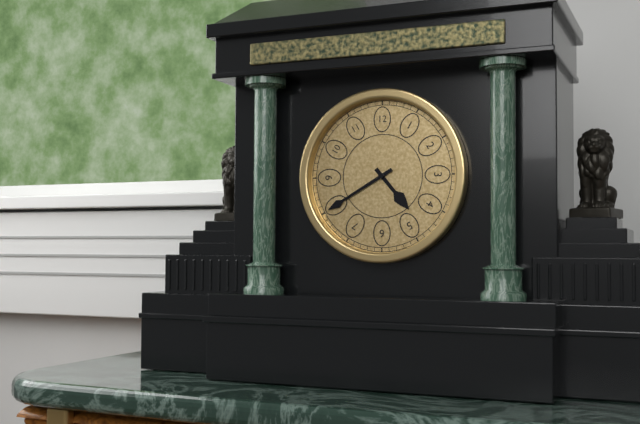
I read {"hour": 4, "minute": 40}
